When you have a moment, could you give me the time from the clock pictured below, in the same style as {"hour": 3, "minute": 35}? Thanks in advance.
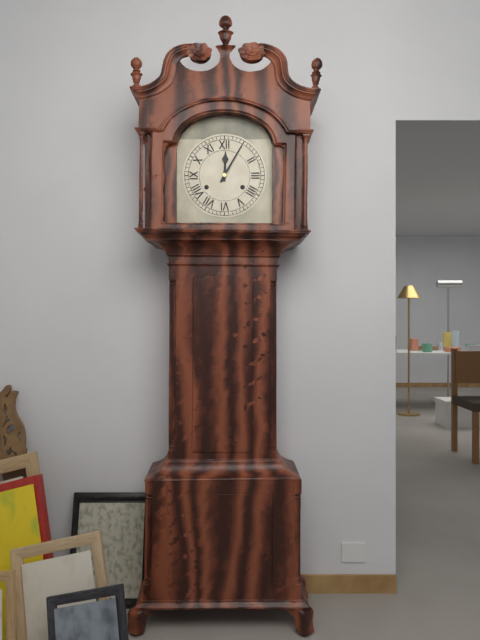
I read {"hour": 12, "minute": 5}
